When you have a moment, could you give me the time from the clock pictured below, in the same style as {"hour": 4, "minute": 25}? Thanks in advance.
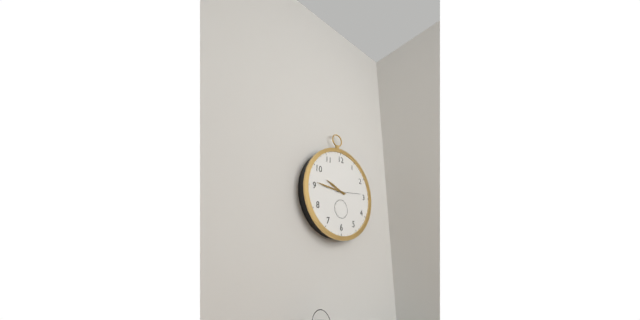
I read {"hour": 9, "minute": 46}
